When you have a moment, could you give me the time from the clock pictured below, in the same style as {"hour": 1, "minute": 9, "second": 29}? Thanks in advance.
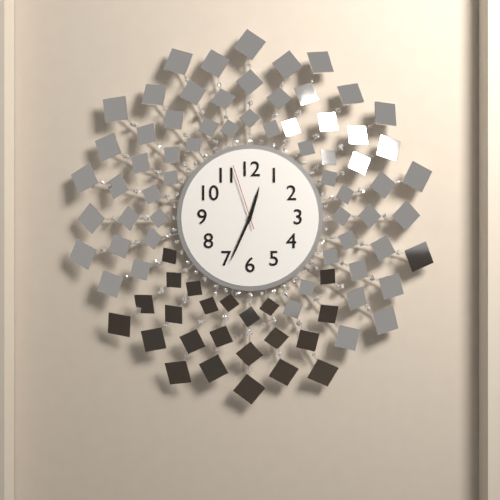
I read {"hour": 12, "minute": 34, "second": 57}
